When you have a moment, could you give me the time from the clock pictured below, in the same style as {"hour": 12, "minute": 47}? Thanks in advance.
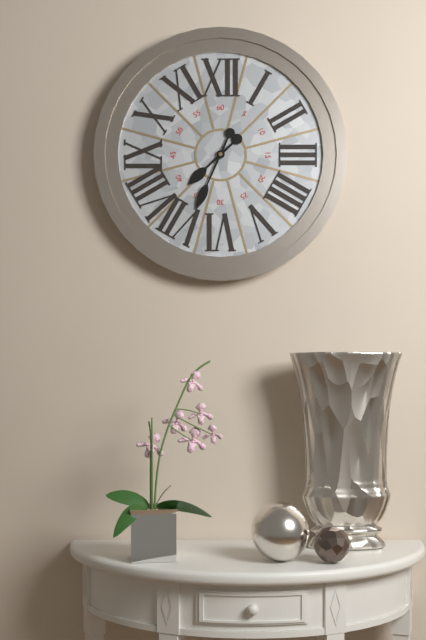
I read {"hour": 7, "minute": 34}
